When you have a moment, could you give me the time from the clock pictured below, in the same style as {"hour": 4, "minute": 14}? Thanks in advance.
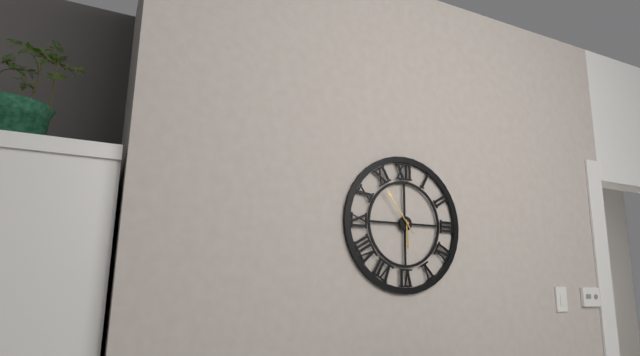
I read {"hour": 5, "minute": 54}
